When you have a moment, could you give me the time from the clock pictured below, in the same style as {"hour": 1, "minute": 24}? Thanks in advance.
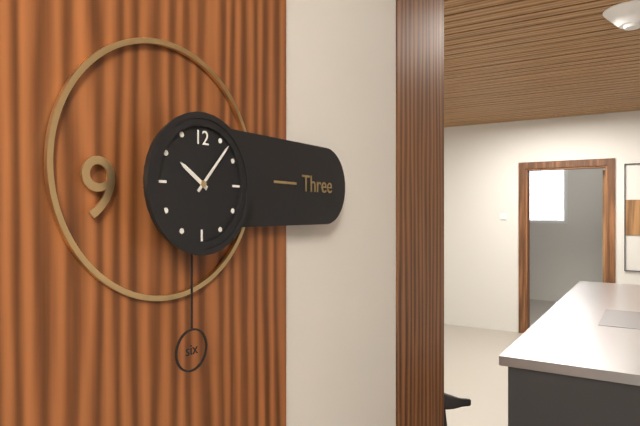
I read {"hour": 10, "minute": 7}
